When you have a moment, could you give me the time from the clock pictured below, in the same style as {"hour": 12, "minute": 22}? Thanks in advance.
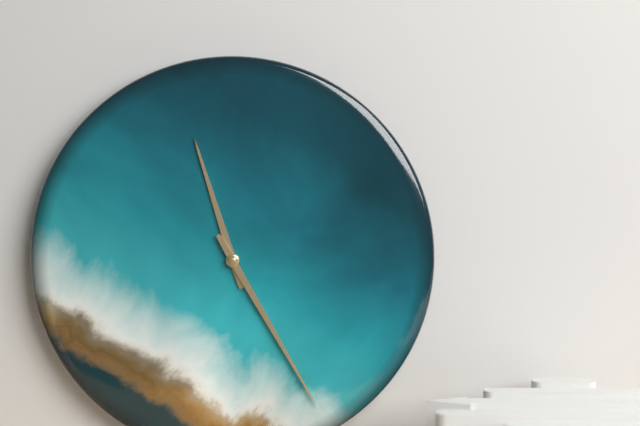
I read {"hour": 11, "minute": 25}
